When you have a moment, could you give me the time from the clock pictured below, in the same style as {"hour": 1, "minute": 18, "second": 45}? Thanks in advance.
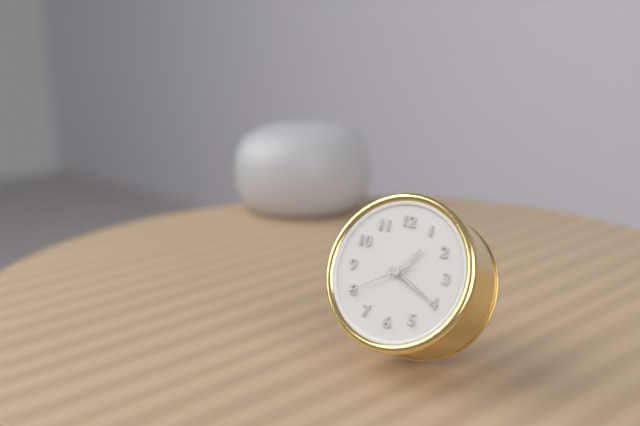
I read {"hour": 1, "minute": 20, "second": 40}
